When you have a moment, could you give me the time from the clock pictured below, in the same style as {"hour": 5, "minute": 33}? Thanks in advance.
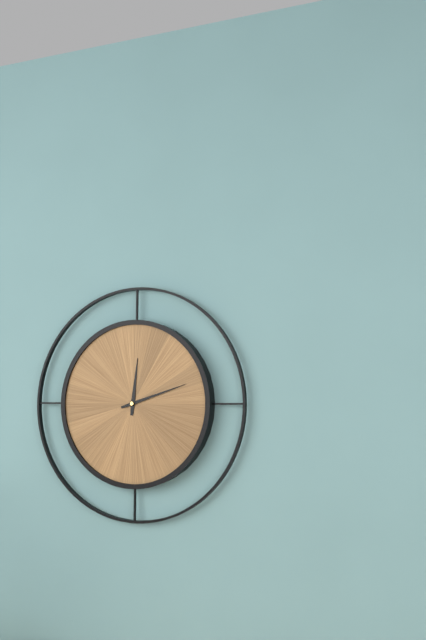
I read {"hour": 12, "minute": 12}
